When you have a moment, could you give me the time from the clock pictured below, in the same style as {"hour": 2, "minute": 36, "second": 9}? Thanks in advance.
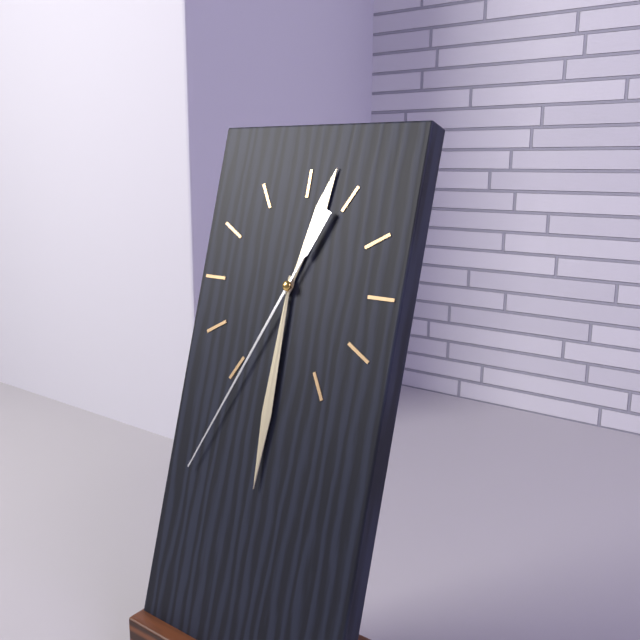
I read {"hour": 12, "minute": 30, "second": 34}
